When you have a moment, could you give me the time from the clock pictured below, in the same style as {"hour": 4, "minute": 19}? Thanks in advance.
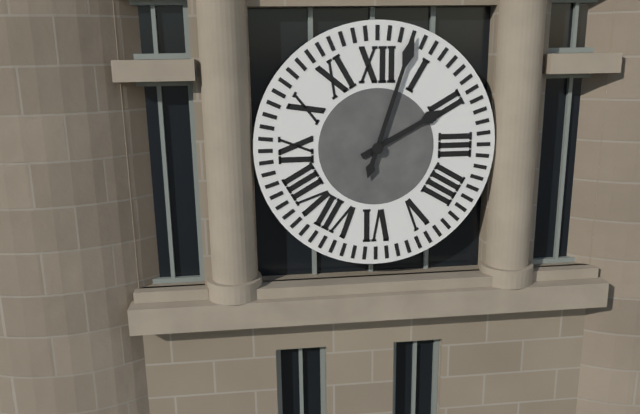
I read {"hour": 2, "minute": 3}
